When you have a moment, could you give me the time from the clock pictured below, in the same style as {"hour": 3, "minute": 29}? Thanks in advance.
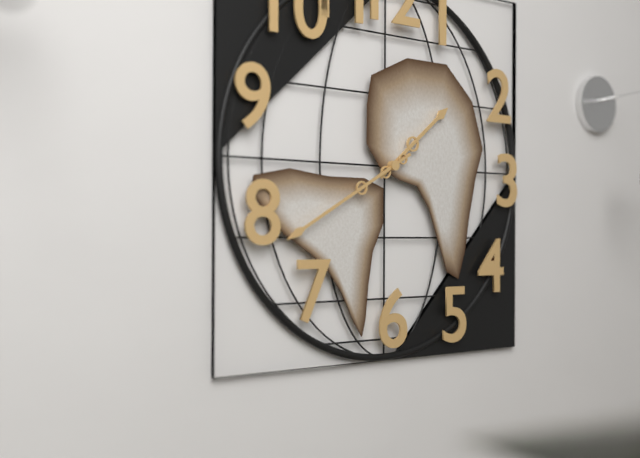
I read {"hour": 1, "minute": 40}
